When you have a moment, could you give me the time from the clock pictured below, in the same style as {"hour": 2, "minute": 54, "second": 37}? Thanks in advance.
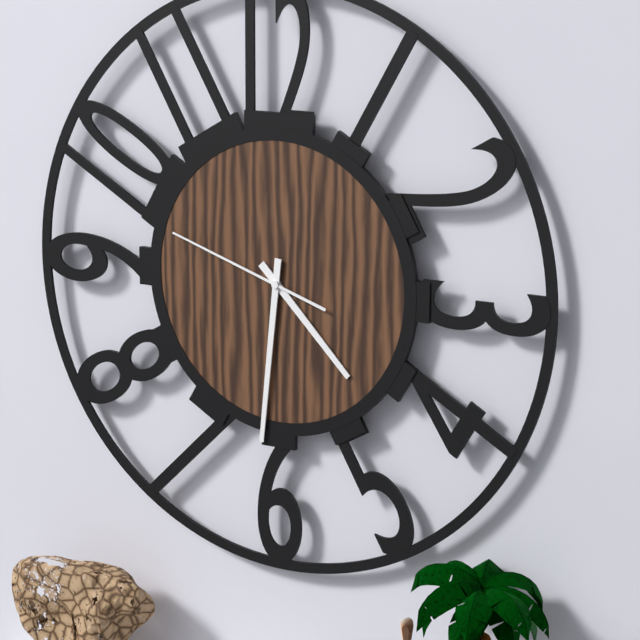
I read {"hour": 4, "minute": 31, "second": 48}
